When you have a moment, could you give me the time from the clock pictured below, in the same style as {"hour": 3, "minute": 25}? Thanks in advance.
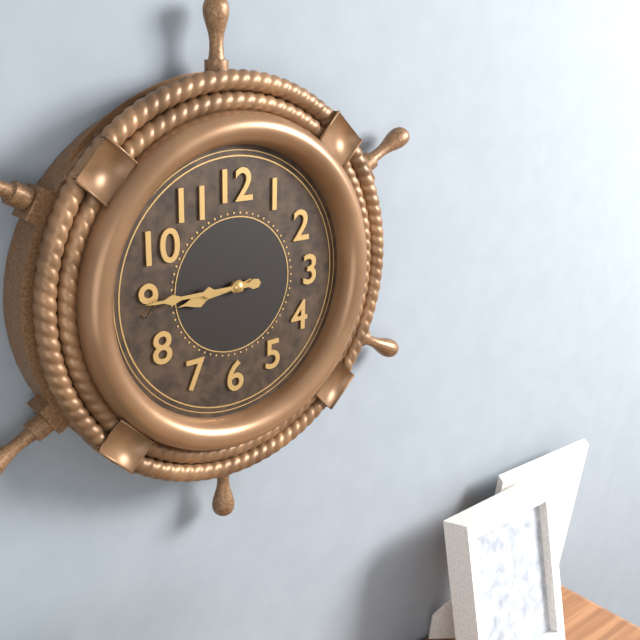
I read {"hour": 8, "minute": 45}
